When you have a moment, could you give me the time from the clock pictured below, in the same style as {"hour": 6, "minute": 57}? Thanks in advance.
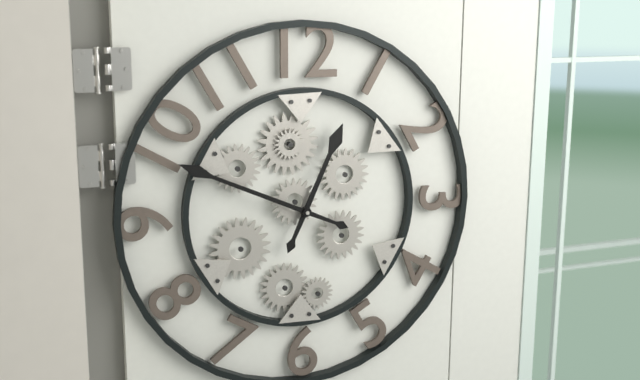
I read {"hour": 12, "minute": 49}
